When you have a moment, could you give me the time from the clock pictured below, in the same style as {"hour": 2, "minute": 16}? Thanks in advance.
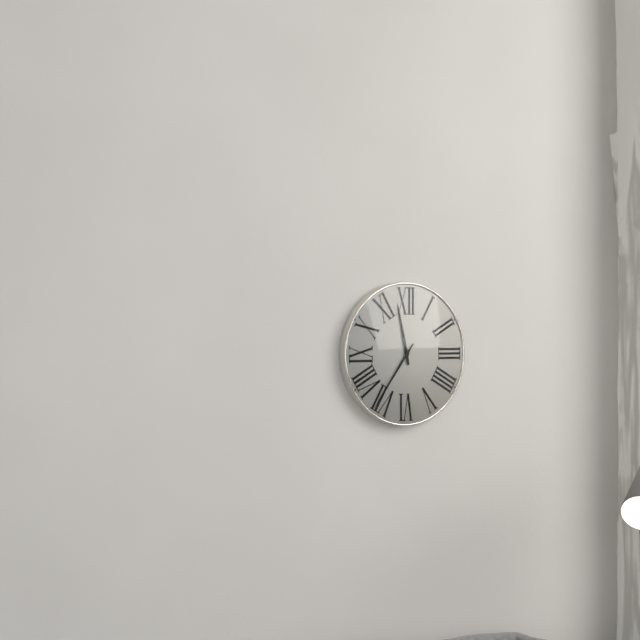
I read {"hour": 11, "minute": 36}
